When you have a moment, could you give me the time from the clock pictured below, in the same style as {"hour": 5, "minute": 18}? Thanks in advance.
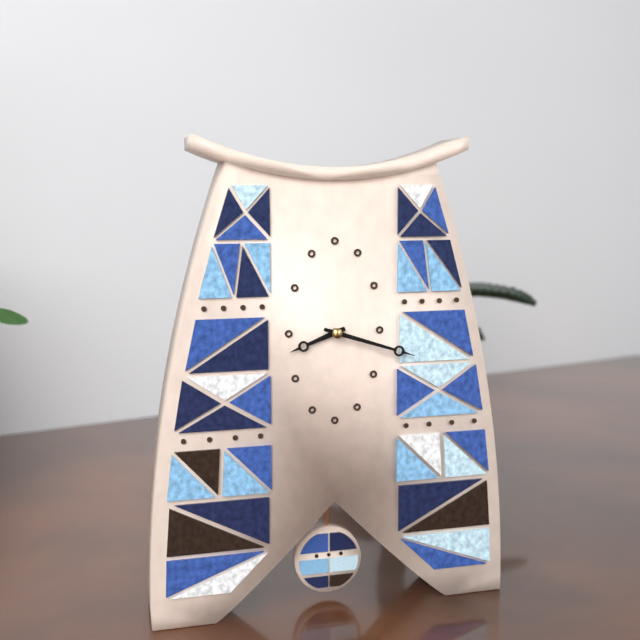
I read {"hour": 8, "minute": 18}
